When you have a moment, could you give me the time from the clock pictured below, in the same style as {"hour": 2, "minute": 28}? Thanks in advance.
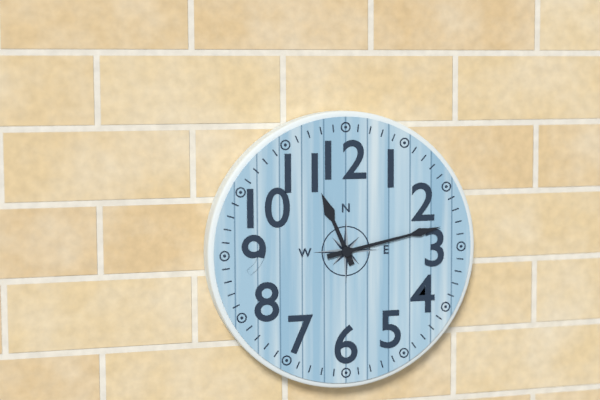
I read {"hour": 11, "minute": 13}
